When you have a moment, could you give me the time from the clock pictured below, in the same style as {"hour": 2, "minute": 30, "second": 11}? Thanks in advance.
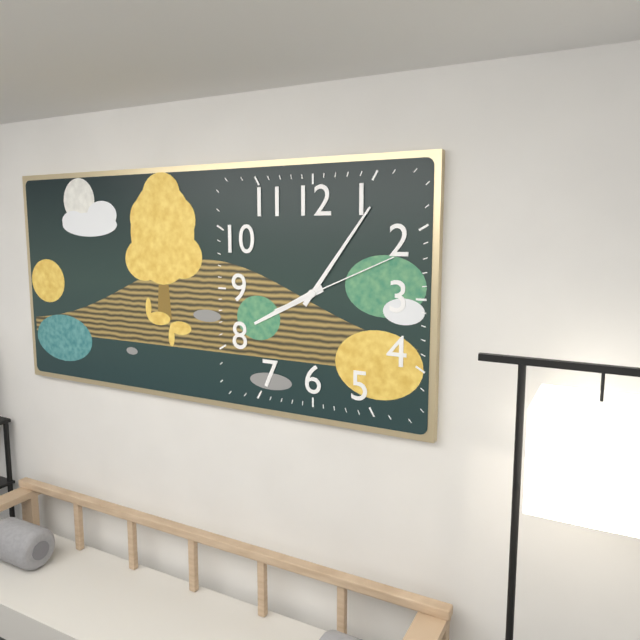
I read {"hour": 8, "minute": 6, "second": 11}
